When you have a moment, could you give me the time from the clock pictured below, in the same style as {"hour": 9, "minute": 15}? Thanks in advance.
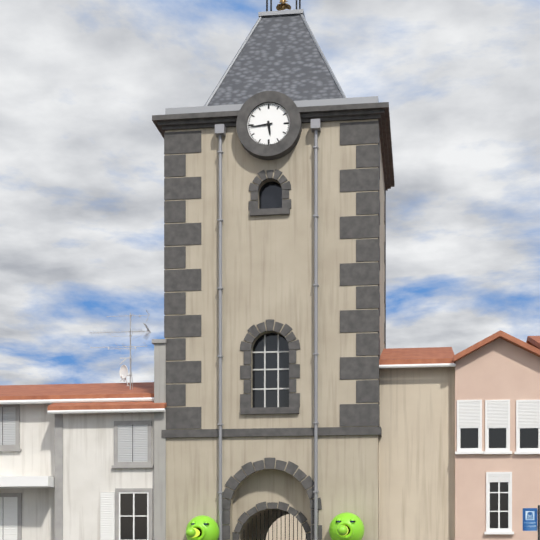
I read {"hour": 5, "minute": 44}
